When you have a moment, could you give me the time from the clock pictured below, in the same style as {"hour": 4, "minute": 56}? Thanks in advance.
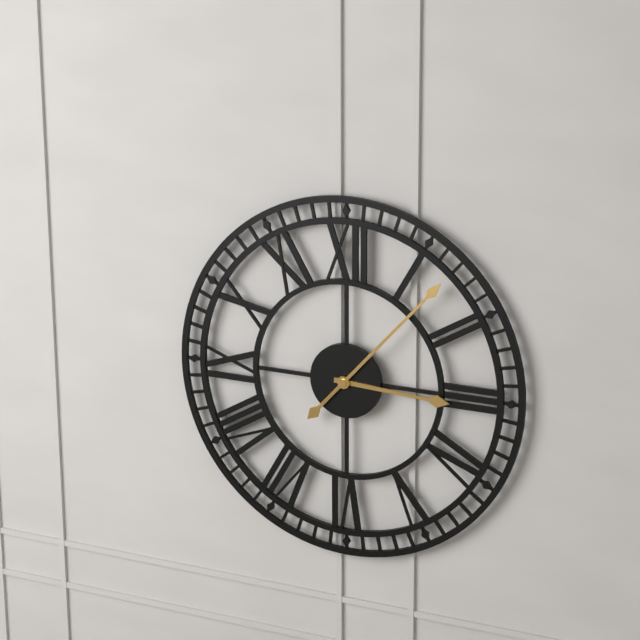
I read {"hour": 3, "minute": 7}
